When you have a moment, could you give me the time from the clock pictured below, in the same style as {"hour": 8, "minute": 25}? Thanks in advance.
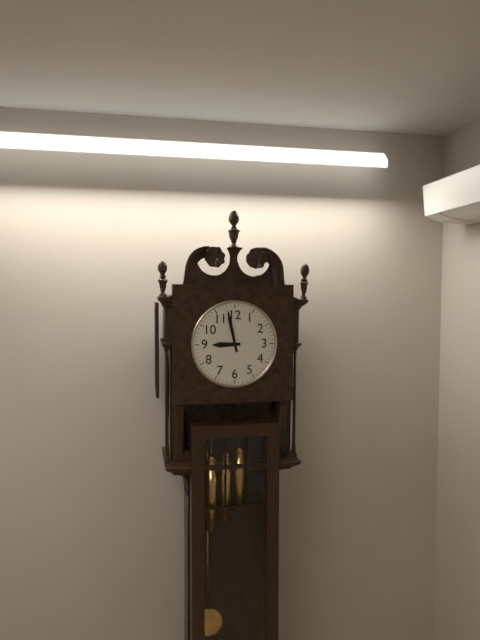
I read {"hour": 8, "minute": 58}
